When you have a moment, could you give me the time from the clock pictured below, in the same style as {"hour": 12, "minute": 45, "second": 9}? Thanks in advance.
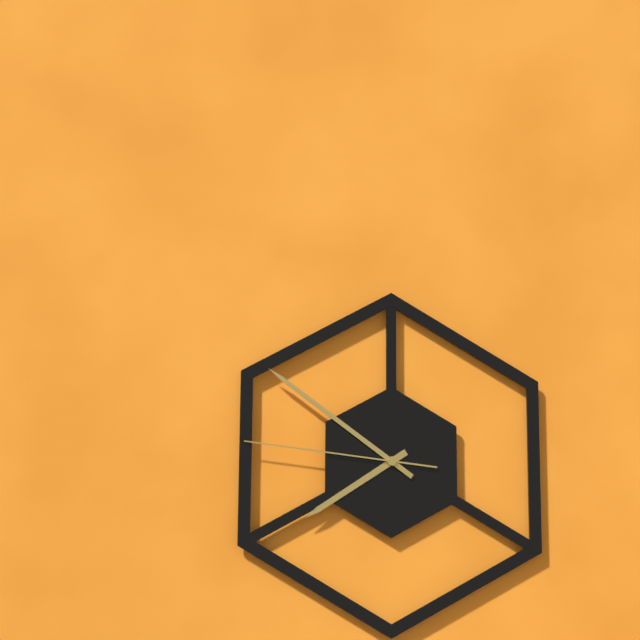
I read {"hour": 7, "minute": 51, "second": 46}
